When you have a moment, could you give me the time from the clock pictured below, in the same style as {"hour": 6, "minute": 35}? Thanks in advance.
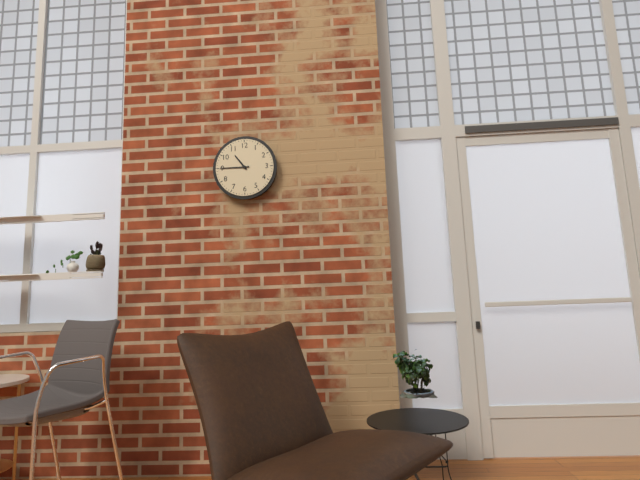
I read {"hour": 10, "minute": 45}
